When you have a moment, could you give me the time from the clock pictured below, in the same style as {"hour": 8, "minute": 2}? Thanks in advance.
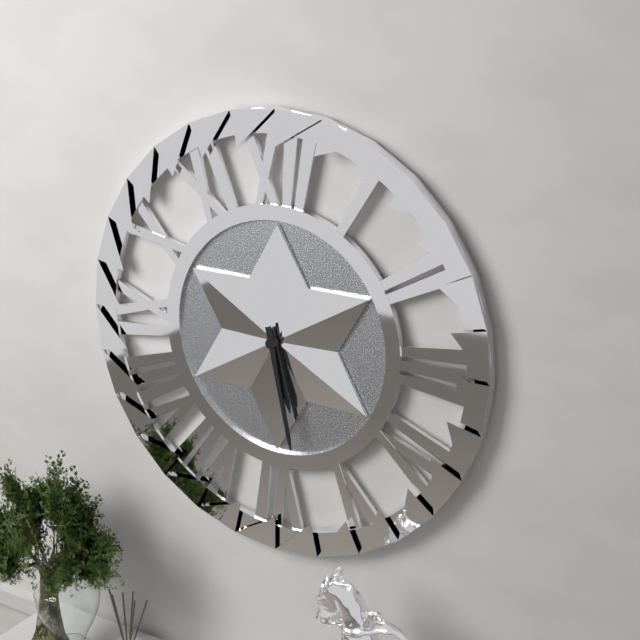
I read {"hour": 5, "minute": 28}
